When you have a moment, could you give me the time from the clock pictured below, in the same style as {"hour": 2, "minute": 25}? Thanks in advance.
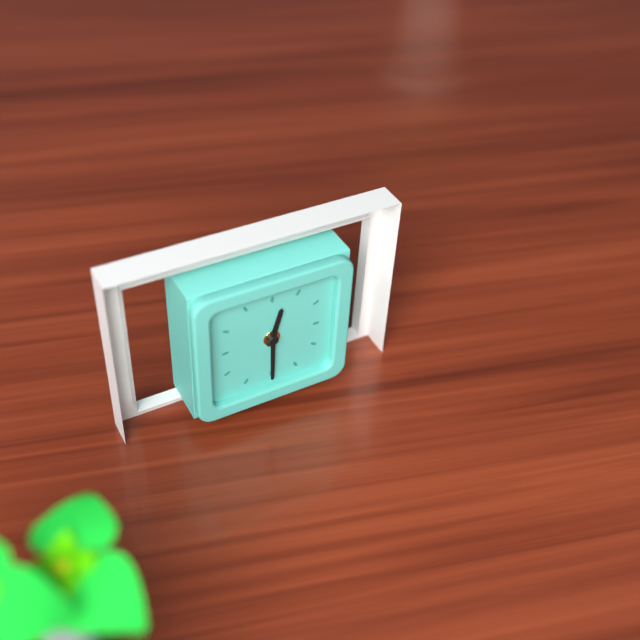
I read {"hour": 12, "minute": 30}
